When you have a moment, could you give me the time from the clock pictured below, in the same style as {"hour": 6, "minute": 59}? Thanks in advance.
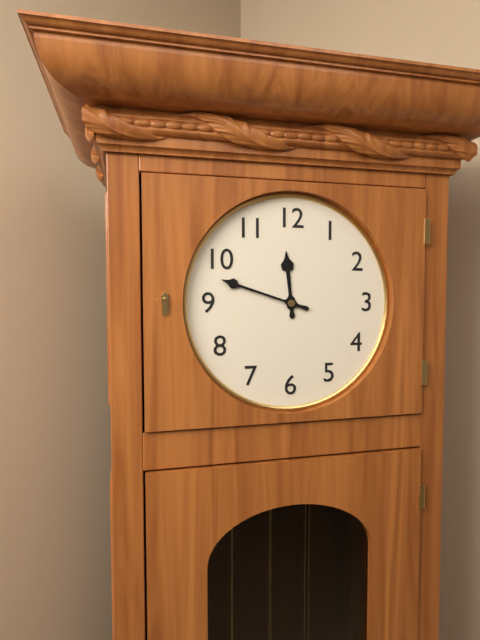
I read {"hour": 11, "minute": 48}
